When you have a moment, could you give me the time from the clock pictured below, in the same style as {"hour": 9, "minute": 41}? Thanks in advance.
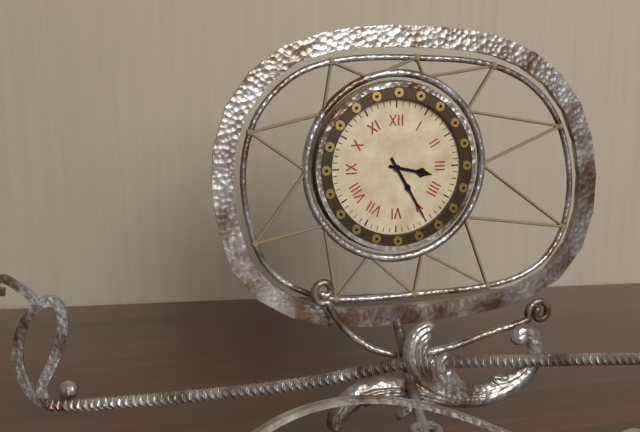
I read {"hour": 3, "minute": 25}
